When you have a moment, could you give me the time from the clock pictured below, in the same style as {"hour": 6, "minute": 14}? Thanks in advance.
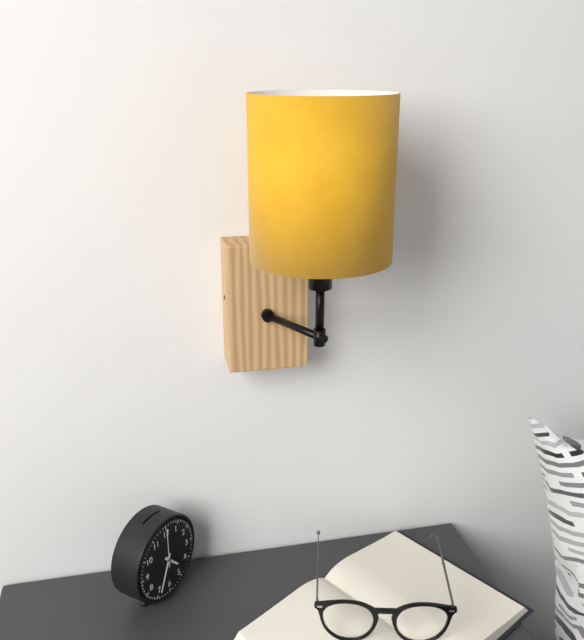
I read {"hour": 4, "minute": 34}
